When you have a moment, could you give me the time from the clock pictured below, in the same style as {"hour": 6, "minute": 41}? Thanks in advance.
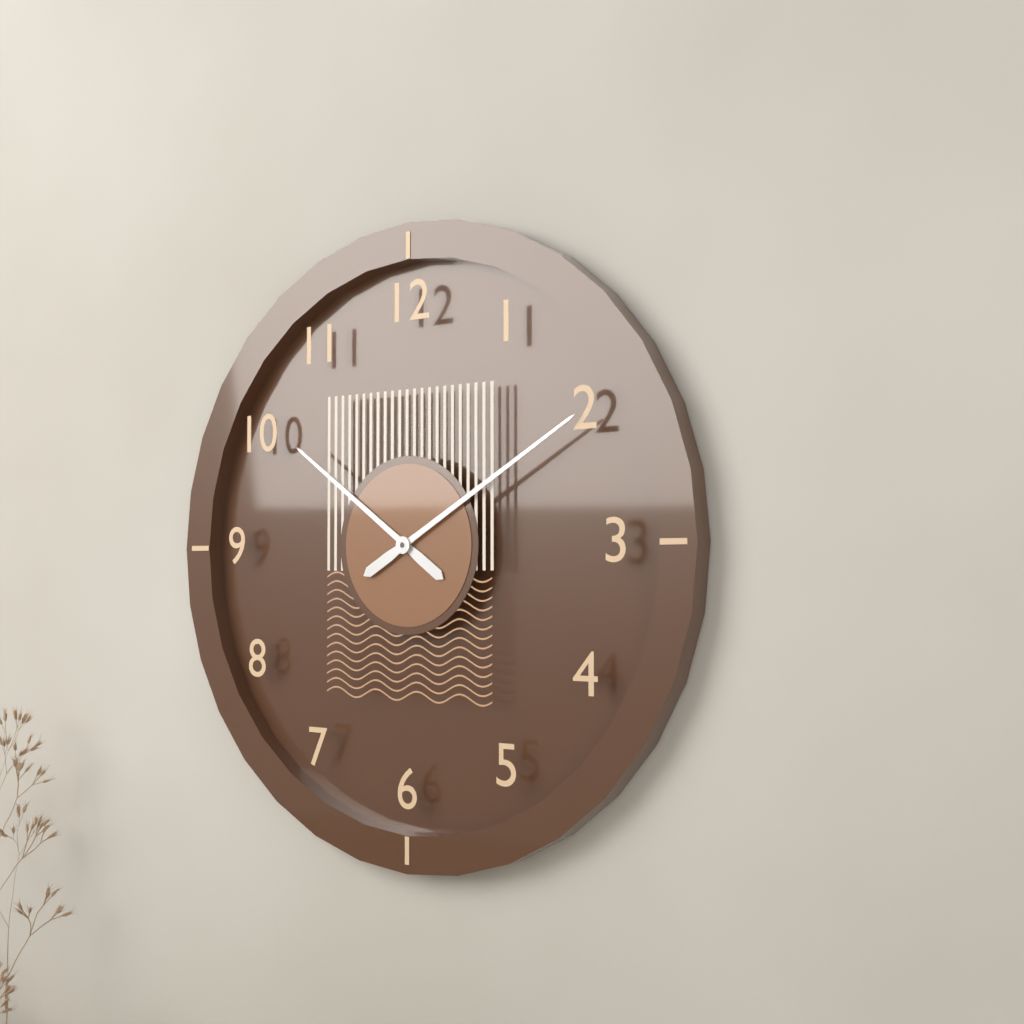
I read {"hour": 10, "minute": 10}
